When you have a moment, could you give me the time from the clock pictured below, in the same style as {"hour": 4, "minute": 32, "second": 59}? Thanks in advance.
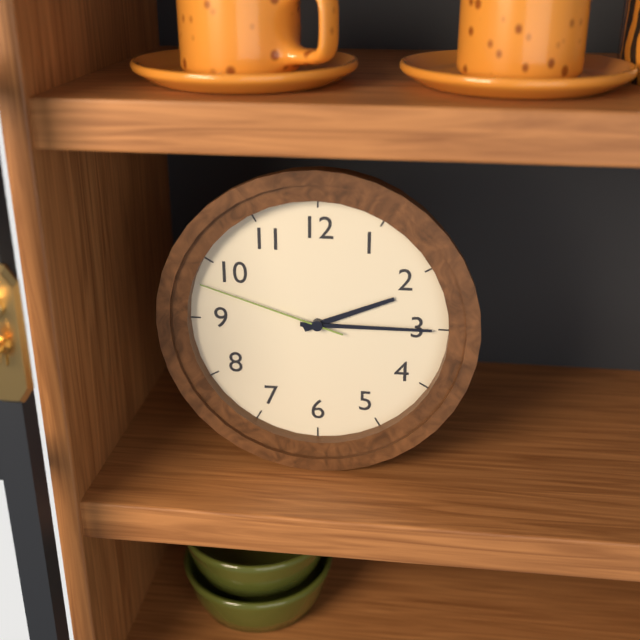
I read {"hour": 2, "minute": 15, "second": 48}
